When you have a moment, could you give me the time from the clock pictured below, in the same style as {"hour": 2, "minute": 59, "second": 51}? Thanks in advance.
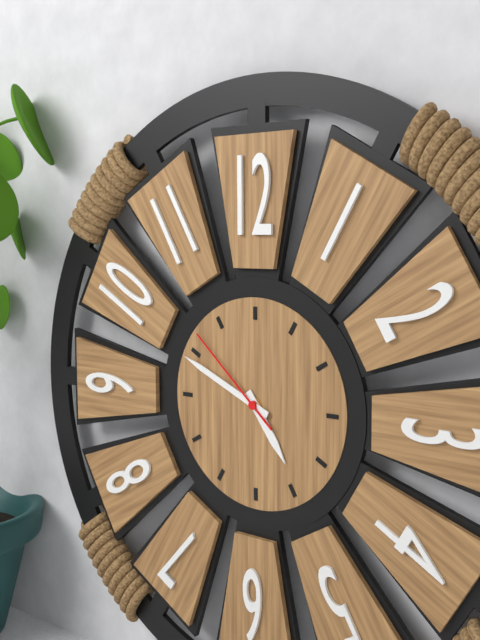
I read {"hour": 4, "minute": 49, "second": 52}
